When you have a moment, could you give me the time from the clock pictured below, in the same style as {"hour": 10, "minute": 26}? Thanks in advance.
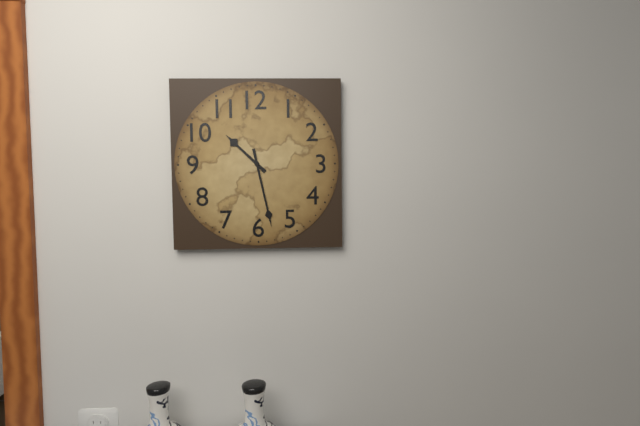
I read {"hour": 10, "minute": 28}
